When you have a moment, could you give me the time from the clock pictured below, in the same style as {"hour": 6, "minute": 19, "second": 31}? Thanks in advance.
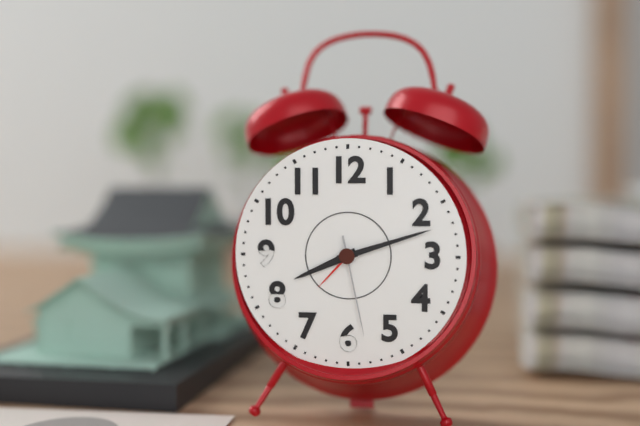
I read {"hour": 8, "minute": 12, "second": 28}
